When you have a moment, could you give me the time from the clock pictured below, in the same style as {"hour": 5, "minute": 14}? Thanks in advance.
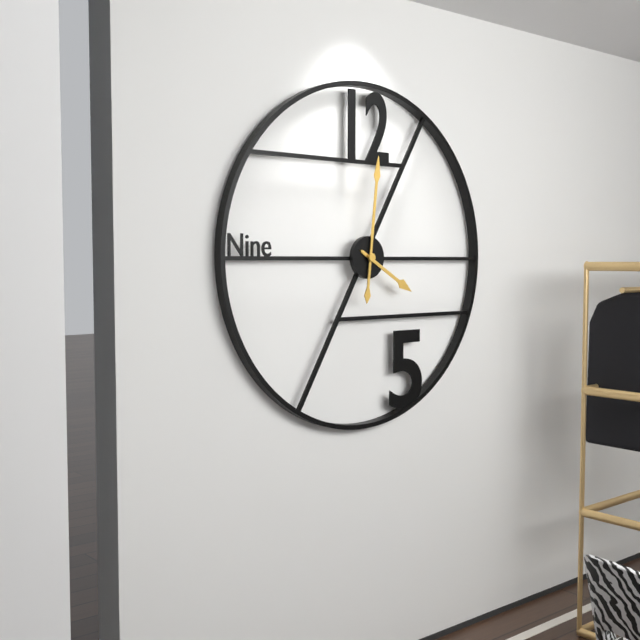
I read {"hour": 4, "minute": 1}
